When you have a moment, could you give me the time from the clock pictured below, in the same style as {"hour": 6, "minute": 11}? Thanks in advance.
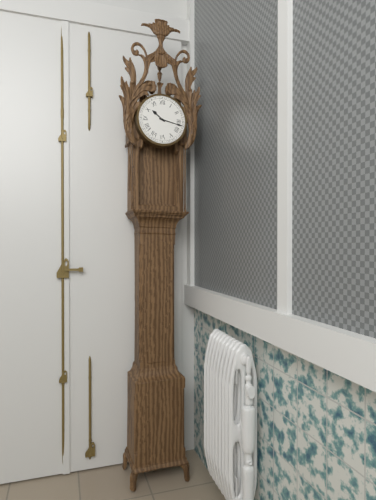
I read {"hour": 10, "minute": 17}
